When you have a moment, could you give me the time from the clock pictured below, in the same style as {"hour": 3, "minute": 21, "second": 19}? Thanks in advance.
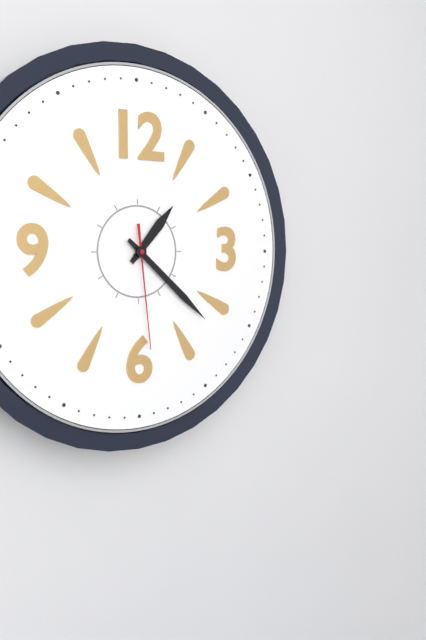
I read {"hour": 1, "minute": 22, "second": 29}
